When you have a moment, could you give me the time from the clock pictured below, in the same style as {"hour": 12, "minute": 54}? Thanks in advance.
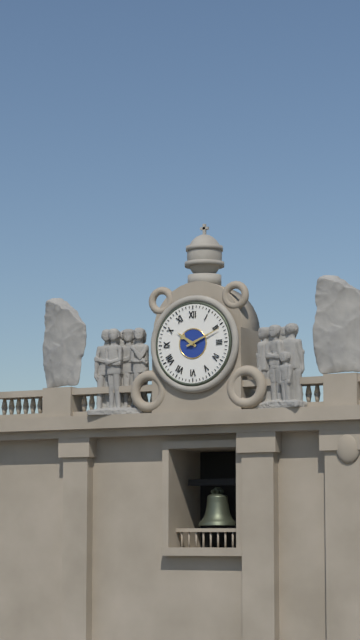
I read {"hour": 10, "minute": 11}
